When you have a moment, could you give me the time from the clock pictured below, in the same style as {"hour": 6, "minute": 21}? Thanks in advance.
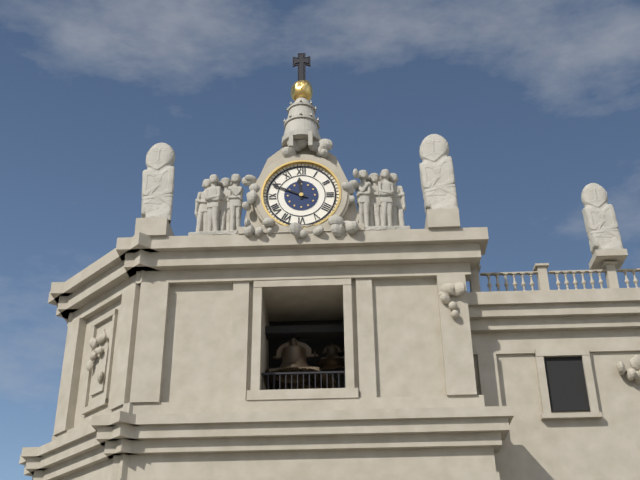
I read {"hour": 11, "minute": 49}
